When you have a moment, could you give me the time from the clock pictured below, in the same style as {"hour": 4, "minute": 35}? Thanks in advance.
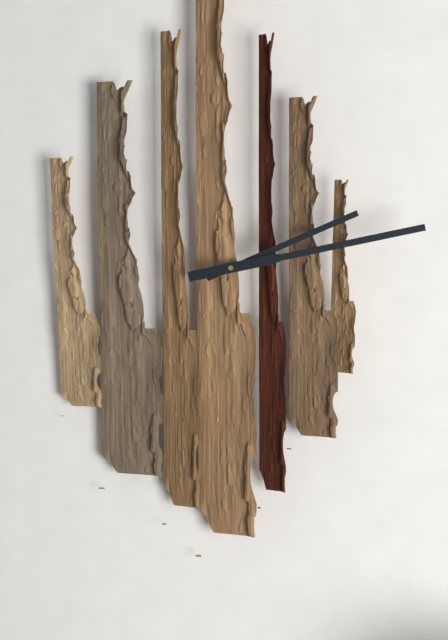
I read {"hour": 2, "minute": 13}
